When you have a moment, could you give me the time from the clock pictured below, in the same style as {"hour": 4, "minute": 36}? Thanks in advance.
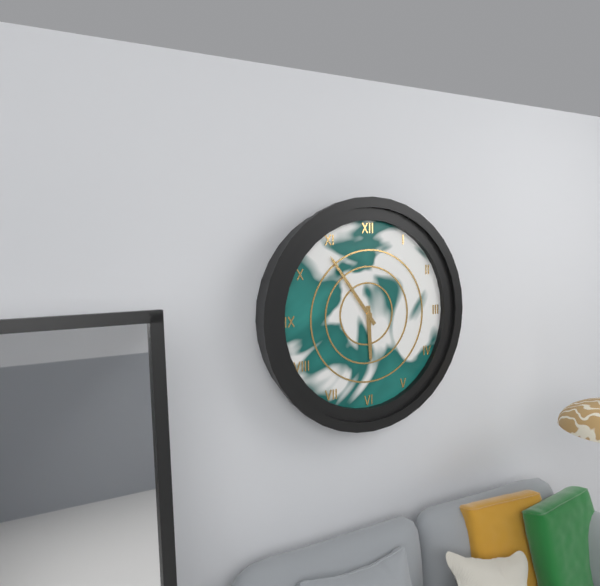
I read {"hour": 5, "minute": 54}
